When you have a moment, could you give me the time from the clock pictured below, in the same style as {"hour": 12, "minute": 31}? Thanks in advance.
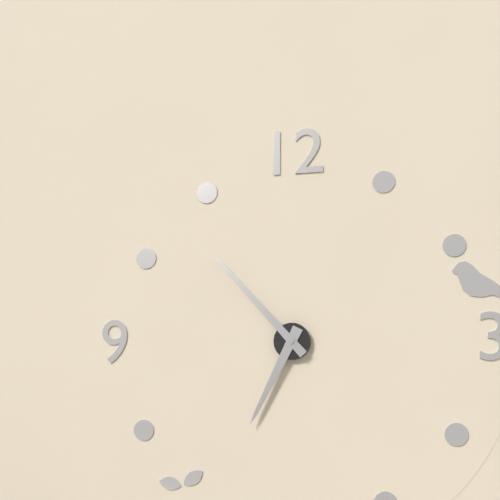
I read {"hour": 6, "minute": 53}
